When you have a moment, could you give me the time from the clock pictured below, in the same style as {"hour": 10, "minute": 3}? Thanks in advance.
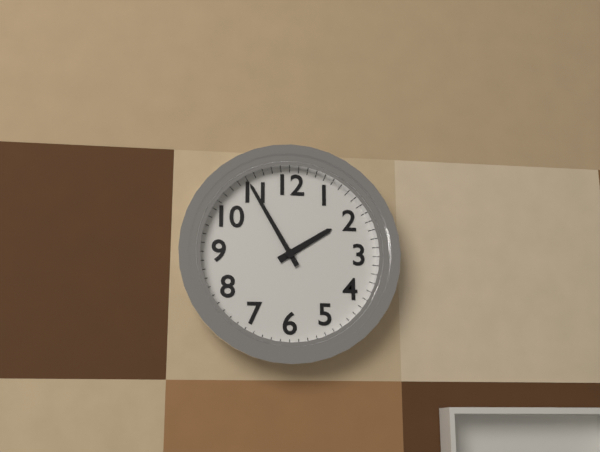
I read {"hour": 1, "minute": 55}
